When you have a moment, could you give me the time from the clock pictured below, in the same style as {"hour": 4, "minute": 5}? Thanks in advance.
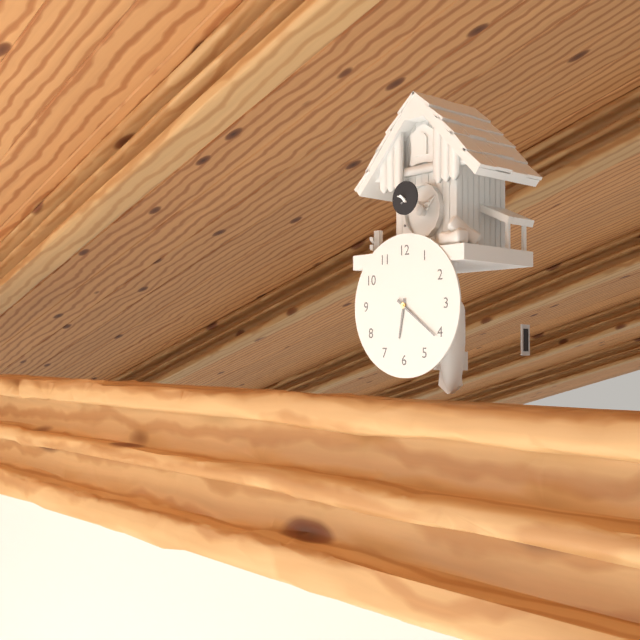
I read {"hour": 6, "minute": 21}
